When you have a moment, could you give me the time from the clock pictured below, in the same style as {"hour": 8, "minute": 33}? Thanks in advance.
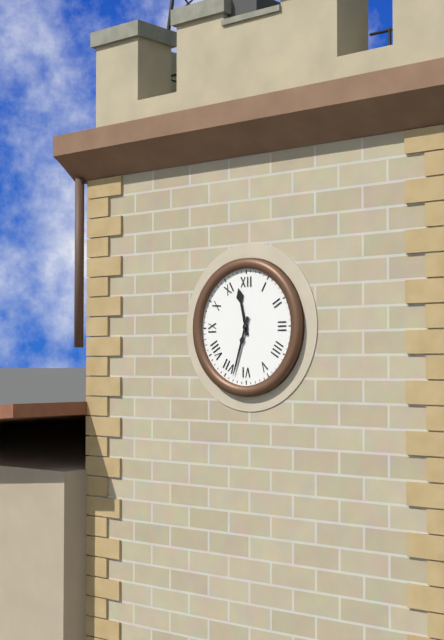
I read {"hour": 11, "minute": 33}
